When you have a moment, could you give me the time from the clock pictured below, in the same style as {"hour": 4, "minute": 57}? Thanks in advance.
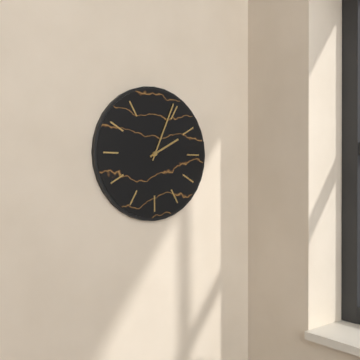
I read {"hour": 2, "minute": 4}
